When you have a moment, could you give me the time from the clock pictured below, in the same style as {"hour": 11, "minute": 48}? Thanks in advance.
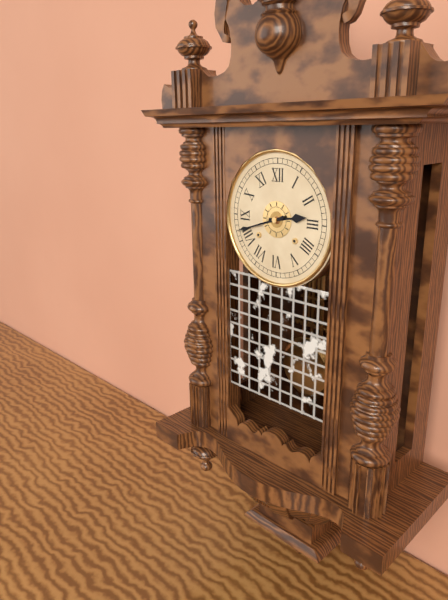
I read {"hour": 2, "minute": 42}
